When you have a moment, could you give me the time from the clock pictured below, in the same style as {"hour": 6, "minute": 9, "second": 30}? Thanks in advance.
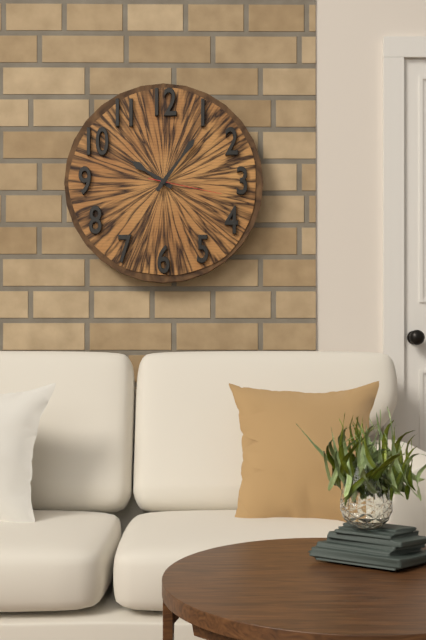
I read {"hour": 10, "minute": 6, "second": 17}
